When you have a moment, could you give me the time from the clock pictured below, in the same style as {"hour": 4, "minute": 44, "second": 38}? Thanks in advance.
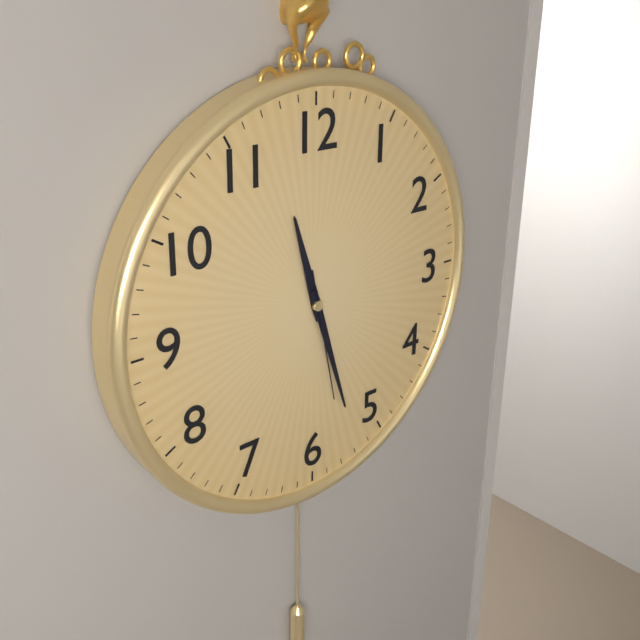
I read {"hour": 11, "minute": 27, "second": 28}
